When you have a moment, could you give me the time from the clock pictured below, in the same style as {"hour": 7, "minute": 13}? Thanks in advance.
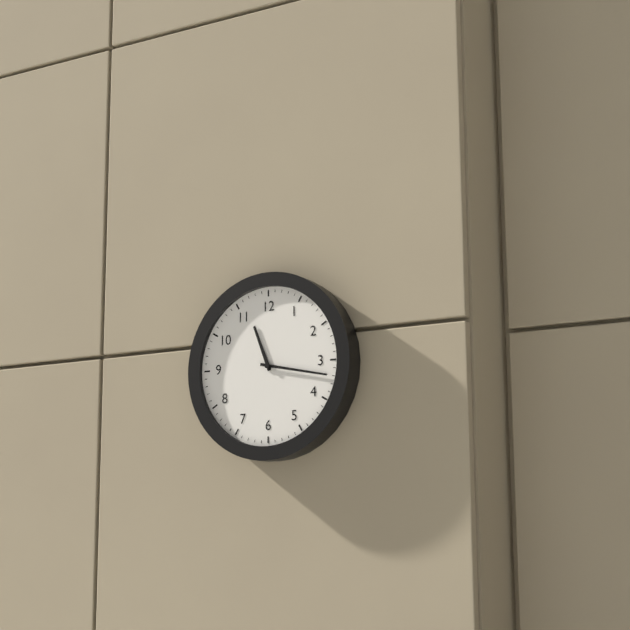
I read {"hour": 11, "minute": 17}
